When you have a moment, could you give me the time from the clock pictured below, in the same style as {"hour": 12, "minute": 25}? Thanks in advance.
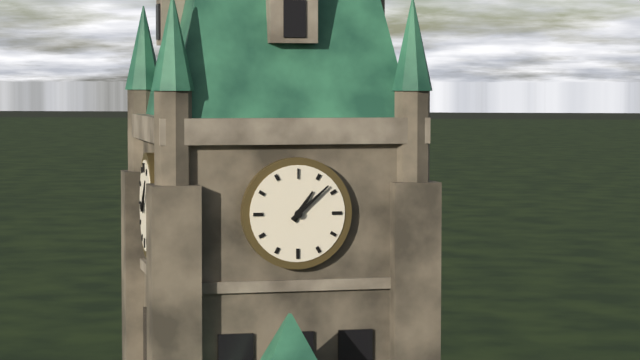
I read {"hour": 1, "minute": 8}
